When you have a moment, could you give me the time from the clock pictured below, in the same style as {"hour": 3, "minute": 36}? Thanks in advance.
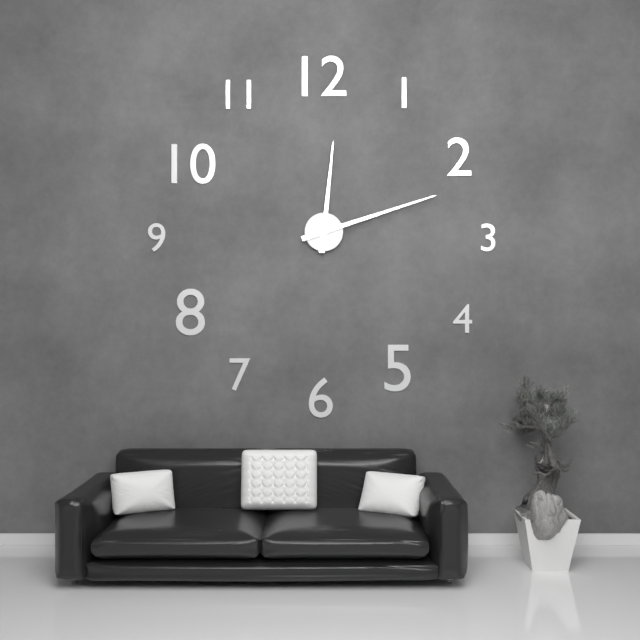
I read {"hour": 12, "minute": 12}
